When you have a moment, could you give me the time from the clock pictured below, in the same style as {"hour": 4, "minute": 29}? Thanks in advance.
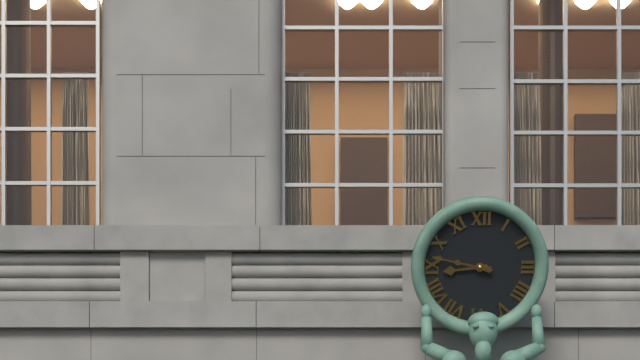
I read {"hour": 8, "minute": 47}
